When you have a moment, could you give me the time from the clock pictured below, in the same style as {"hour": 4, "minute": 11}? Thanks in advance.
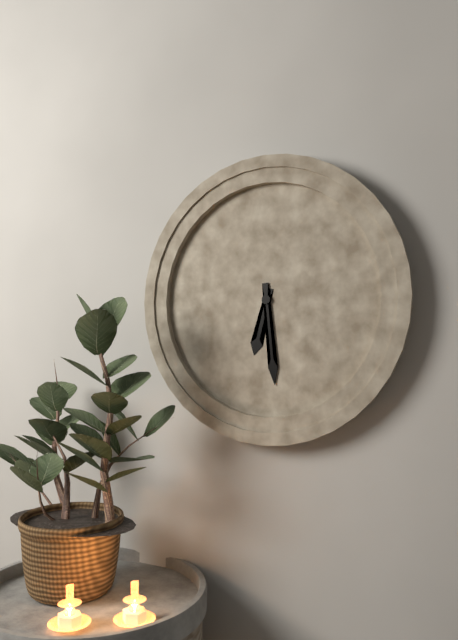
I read {"hour": 6, "minute": 29}
